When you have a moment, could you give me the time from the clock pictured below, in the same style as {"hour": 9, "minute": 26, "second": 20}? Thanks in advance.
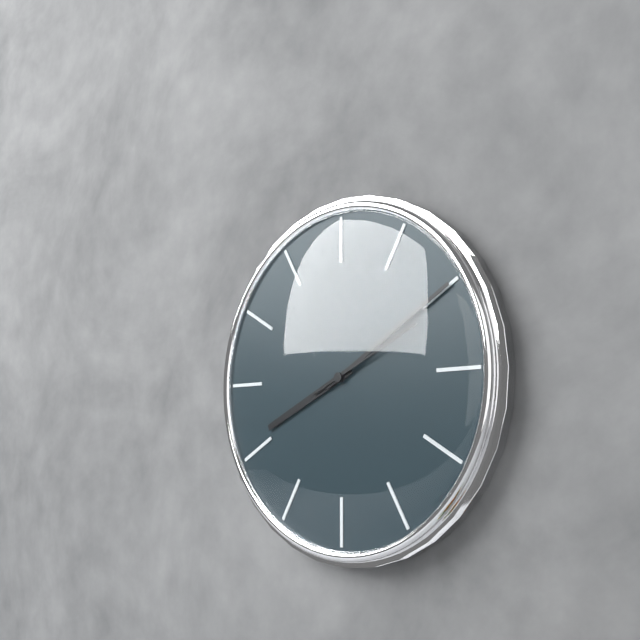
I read {"hour": 8, "minute": 10, "second": 11}
